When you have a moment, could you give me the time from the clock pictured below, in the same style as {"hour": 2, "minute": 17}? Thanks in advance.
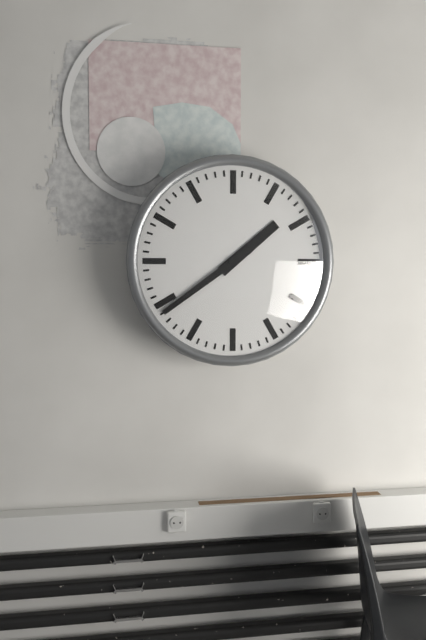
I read {"hour": 1, "minute": 39}
